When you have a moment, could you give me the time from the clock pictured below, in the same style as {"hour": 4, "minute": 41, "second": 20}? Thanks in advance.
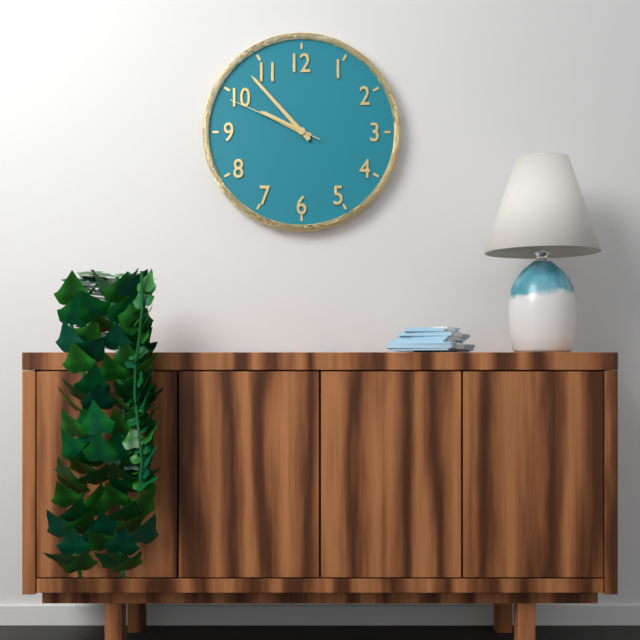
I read {"hour": 9, "minute": 53, "second": 49}
